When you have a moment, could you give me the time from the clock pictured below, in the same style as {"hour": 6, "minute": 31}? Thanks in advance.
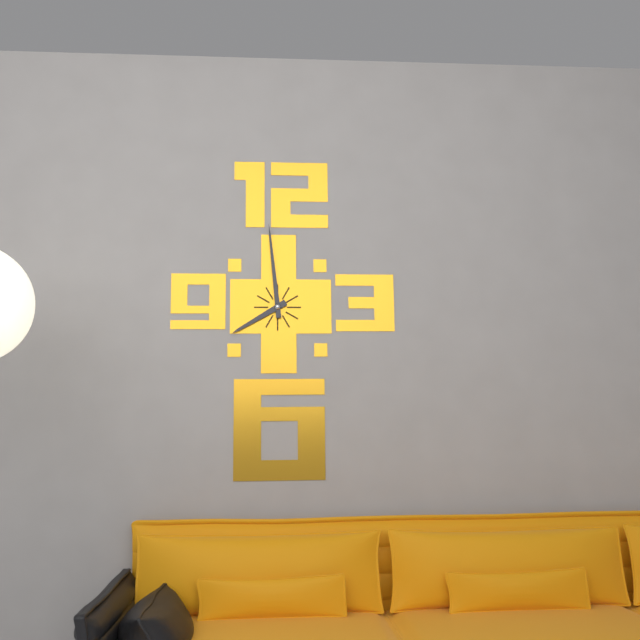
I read {"hour": 7, "minute": 59}
